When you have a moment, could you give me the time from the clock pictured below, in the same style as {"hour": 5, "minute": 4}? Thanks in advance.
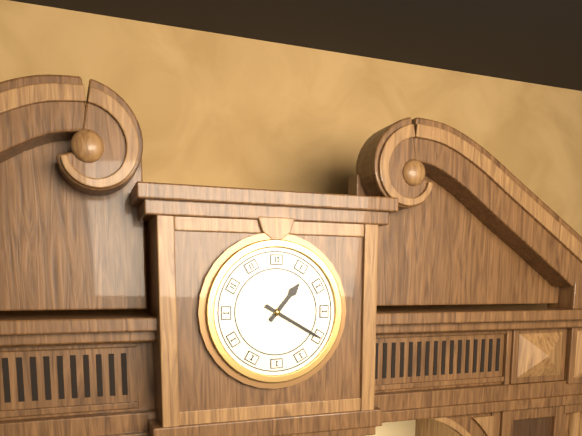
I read {"hour": 1, "minute": 20}
